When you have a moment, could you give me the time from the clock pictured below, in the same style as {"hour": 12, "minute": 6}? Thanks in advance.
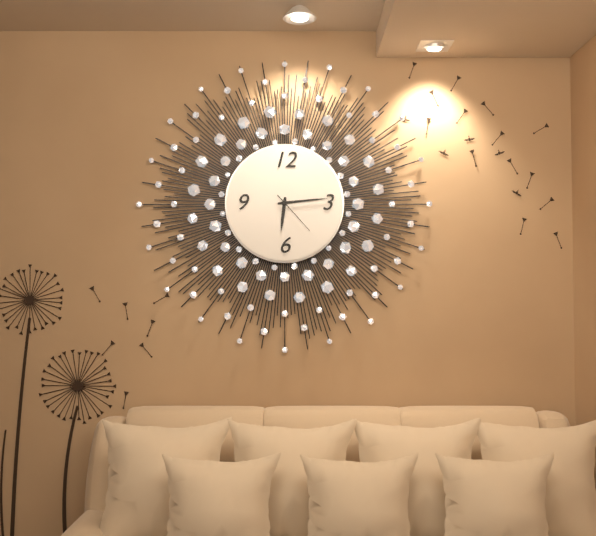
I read {"hour": 6, "minute": 14}
